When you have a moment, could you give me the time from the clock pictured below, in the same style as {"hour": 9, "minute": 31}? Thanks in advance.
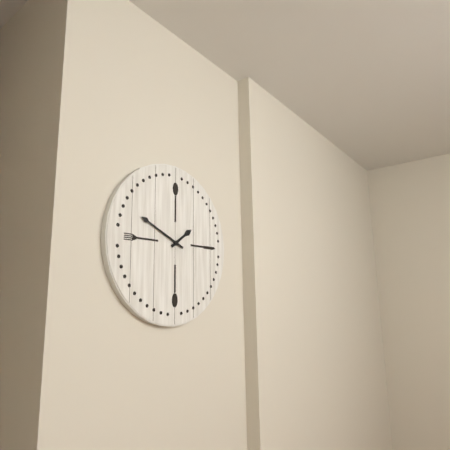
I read {"hour": 1, "minute": 49}
